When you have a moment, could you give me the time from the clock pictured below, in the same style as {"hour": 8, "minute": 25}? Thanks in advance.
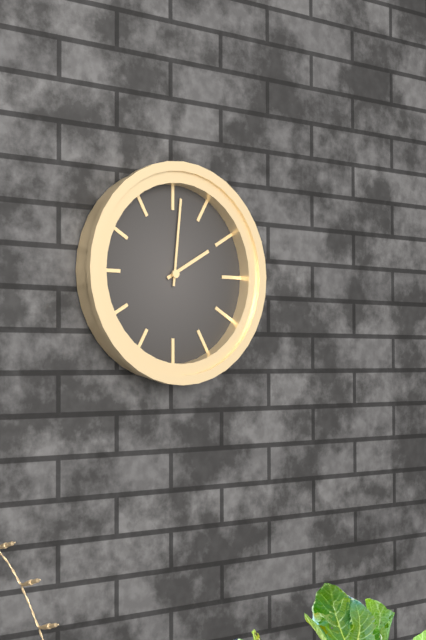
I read {"hour": 2, "minute": 1}
